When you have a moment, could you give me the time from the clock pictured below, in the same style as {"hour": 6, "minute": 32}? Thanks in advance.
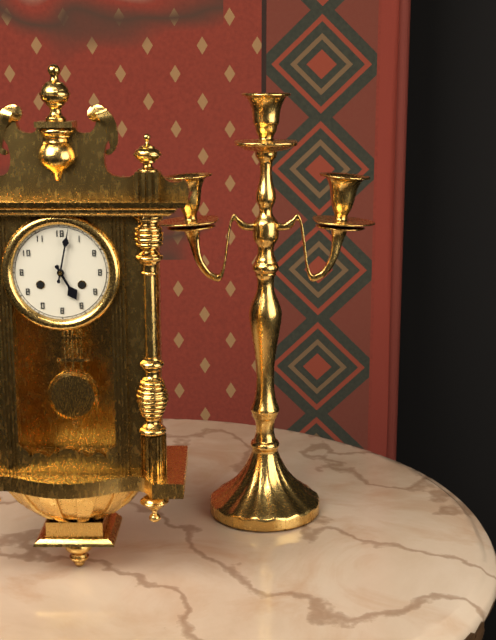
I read {"hour": 5, "minute": 2}
